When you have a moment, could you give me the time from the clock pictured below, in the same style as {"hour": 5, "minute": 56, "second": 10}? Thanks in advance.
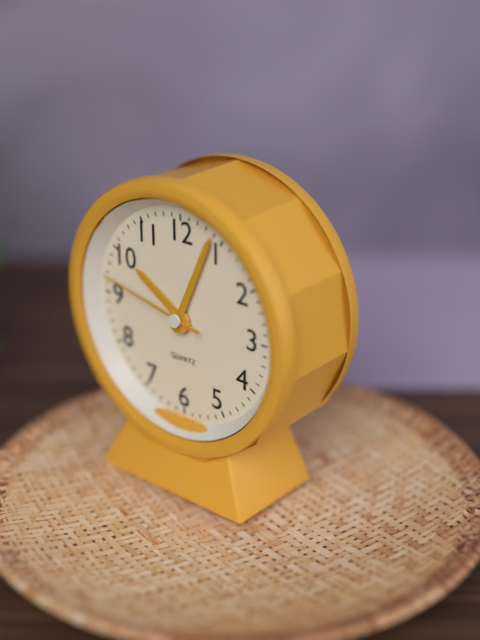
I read {"hour": 10, "minute": 4, "second": 47}
